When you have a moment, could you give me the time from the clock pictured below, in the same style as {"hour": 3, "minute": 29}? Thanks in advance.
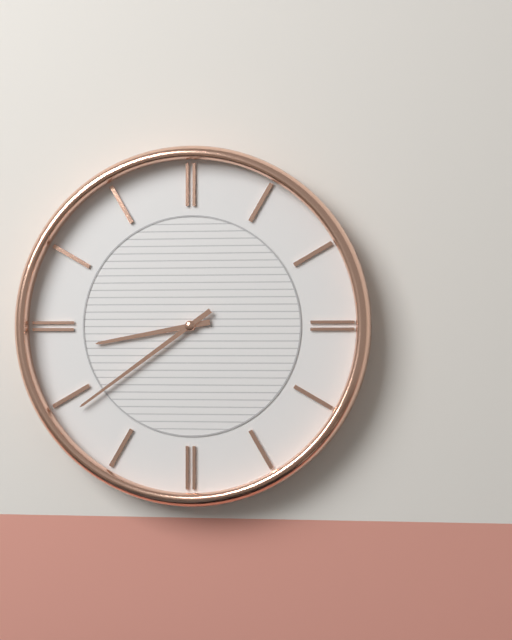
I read {"hour": 8, "minute": 39}
